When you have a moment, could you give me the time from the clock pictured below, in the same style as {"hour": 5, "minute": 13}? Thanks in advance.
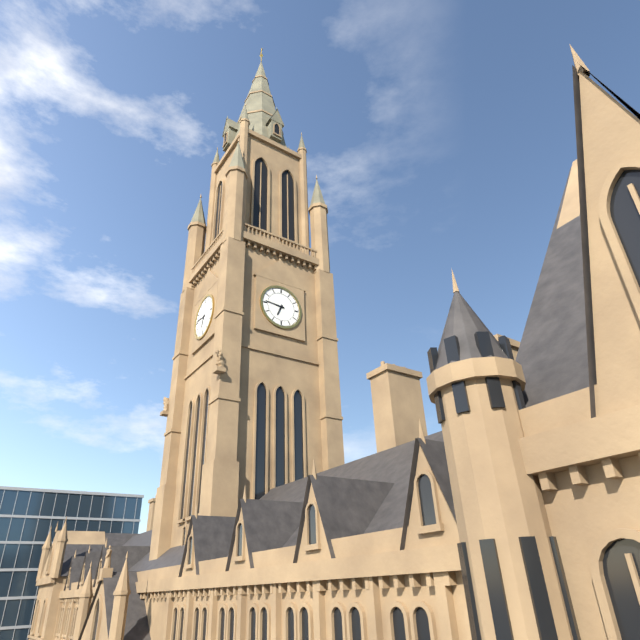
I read {"hour": 6, "minute": 46}
